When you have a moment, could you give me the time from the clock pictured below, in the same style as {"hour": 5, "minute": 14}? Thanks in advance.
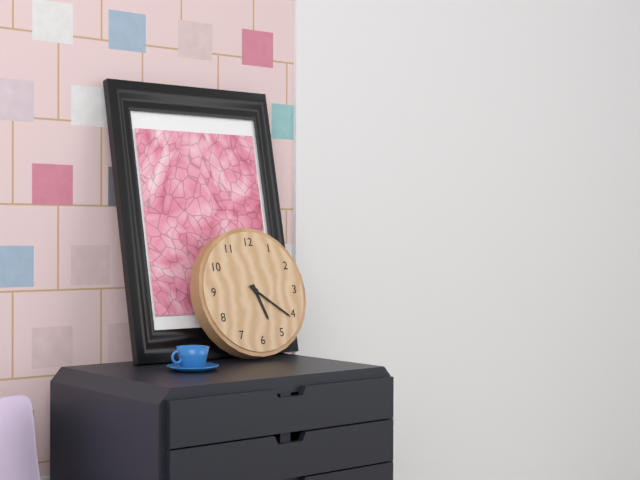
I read {"hour": 5, "minute": 21}
